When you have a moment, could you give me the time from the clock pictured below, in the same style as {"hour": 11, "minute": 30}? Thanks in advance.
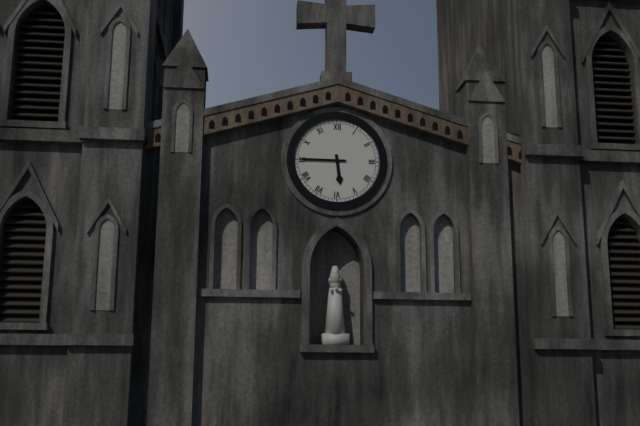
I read {"hour": 5, "minute": 45}
